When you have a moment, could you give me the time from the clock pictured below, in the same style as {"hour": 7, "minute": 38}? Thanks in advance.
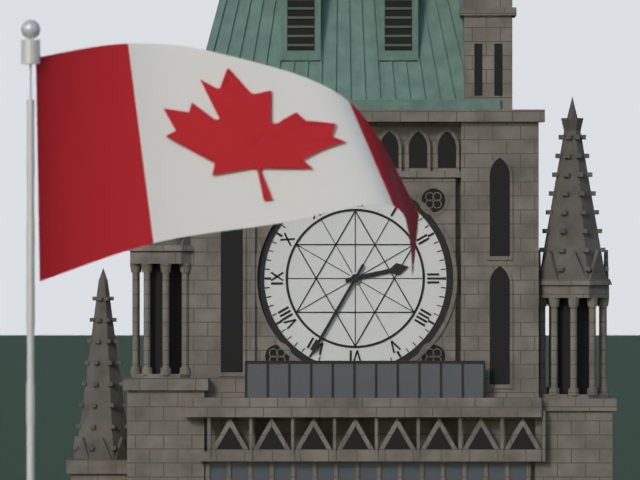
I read {"hour": 2, "minute": 35}
